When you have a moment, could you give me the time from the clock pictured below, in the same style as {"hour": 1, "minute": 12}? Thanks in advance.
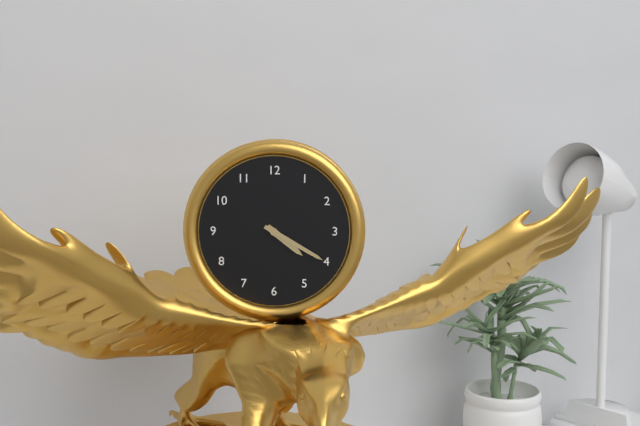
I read {"hour": 4, "minute": 20}
